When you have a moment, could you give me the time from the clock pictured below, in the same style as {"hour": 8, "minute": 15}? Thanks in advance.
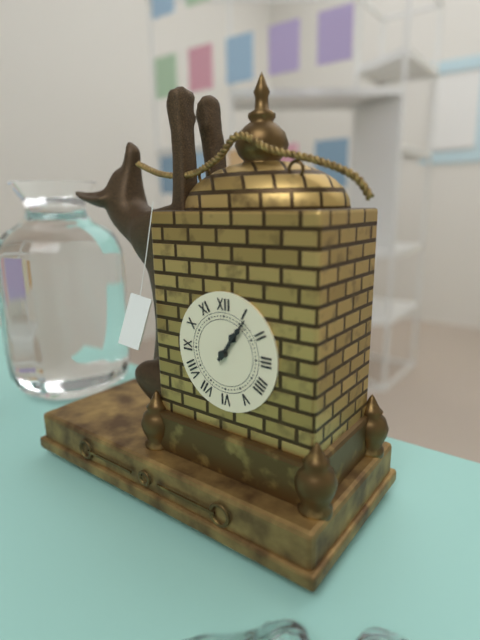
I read {"hour": 1, "minute": 6}
